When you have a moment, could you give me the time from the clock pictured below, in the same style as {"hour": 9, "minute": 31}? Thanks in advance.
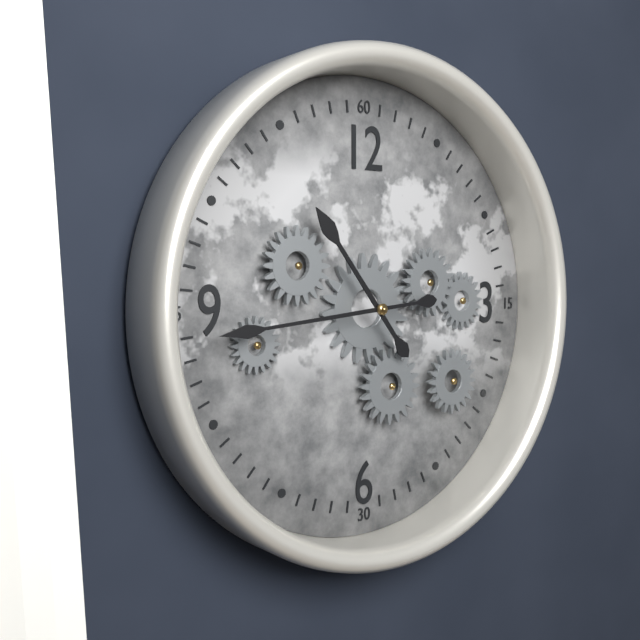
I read {"hour": 10, "minute": 44}
